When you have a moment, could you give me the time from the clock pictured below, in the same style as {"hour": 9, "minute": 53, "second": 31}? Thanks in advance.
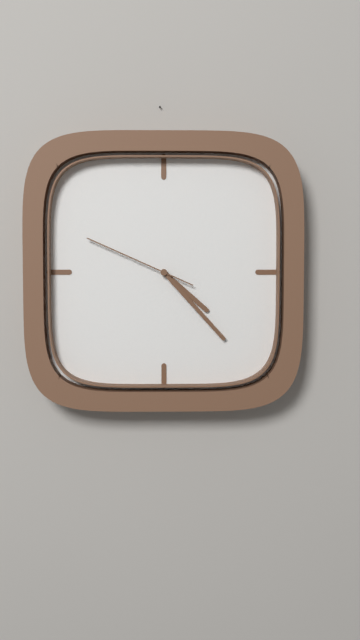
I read {"hour": 4, "minute": 23, "second": 49}
